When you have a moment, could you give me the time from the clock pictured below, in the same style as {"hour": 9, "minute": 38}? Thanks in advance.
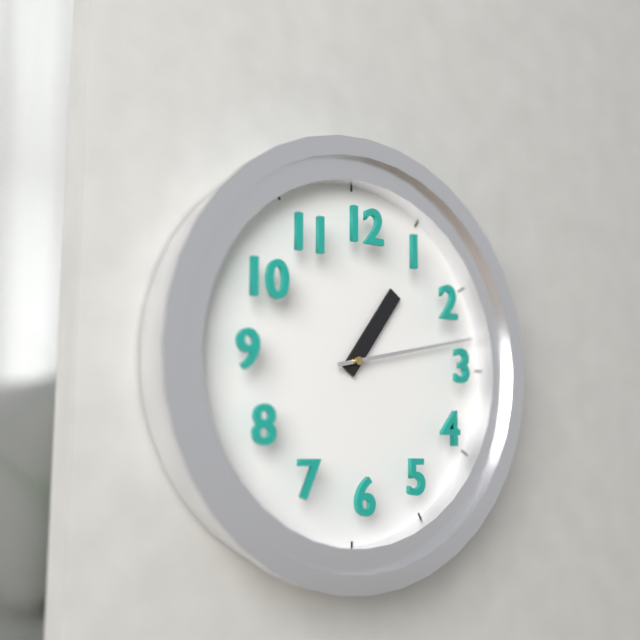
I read {"hour": 1, "minute": 13}
